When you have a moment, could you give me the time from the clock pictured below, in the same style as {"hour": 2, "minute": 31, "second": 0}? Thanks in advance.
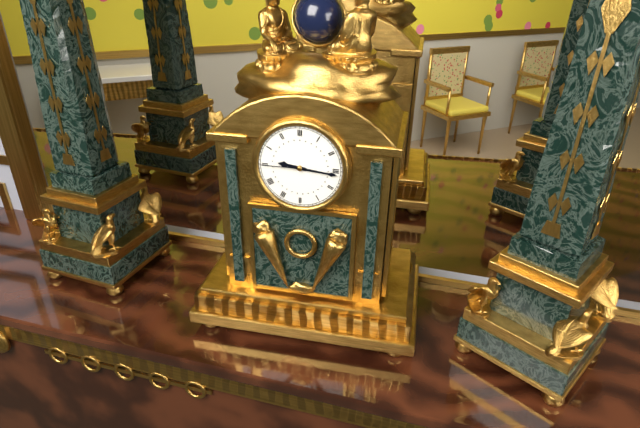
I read {"hour": 9, "minute": 16, "second": 45}
